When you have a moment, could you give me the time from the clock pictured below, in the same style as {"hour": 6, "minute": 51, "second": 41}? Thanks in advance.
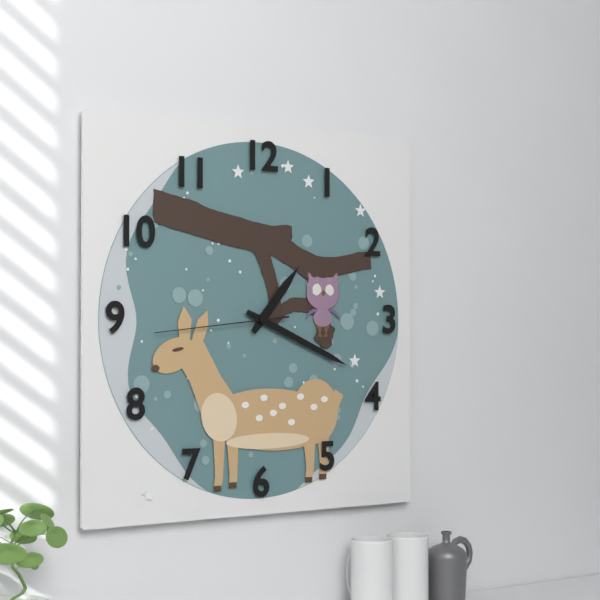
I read {"hour": 1, "minute": 19, "second": 44}
